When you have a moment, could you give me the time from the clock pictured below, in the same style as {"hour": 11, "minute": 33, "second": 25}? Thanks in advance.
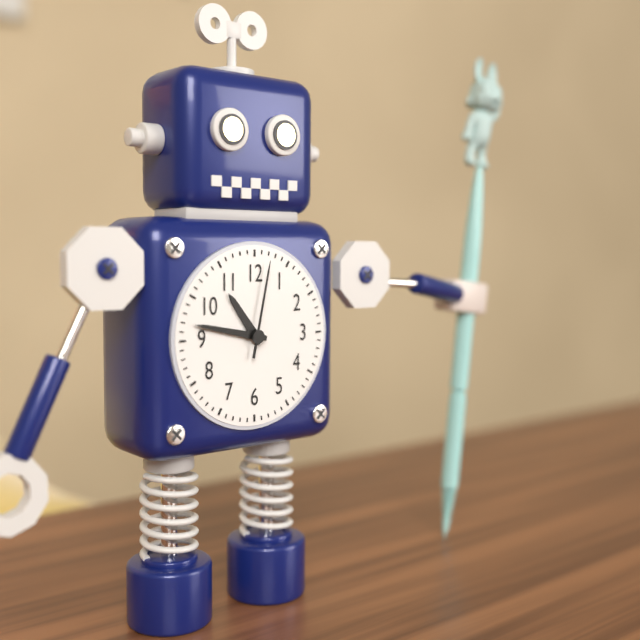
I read {"hour": 10, "minute": 47, "second": 2}
